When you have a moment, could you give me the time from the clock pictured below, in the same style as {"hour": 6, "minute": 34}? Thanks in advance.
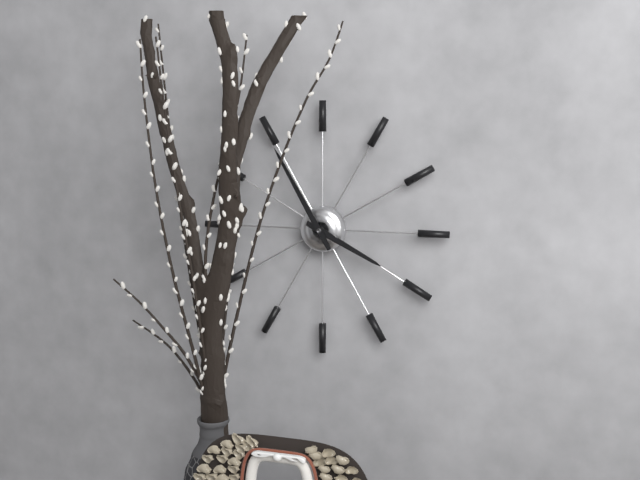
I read {"hour": 3, "minute": 55}
